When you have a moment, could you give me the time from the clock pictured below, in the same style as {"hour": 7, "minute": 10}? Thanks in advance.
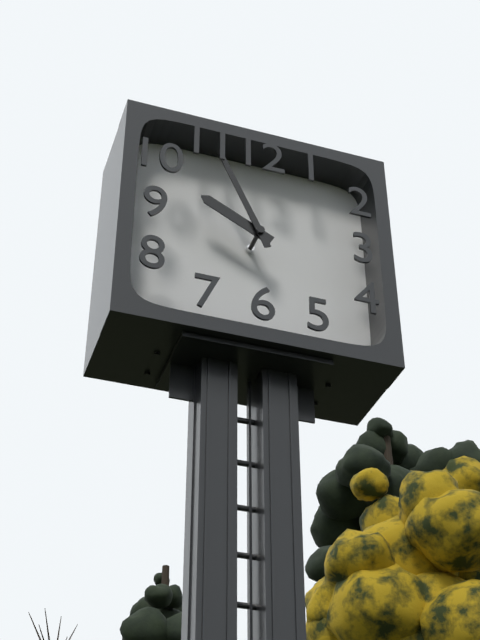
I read {"hour": 9, "minute": 56}
